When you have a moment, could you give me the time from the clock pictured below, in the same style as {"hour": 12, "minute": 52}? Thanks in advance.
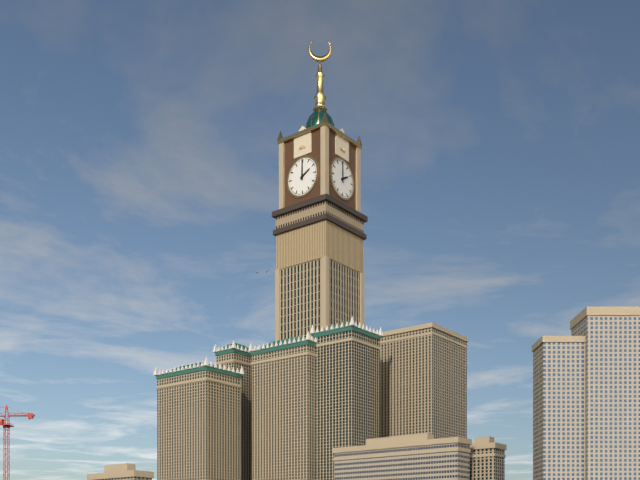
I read {"hour": 2, "minute": 0}
